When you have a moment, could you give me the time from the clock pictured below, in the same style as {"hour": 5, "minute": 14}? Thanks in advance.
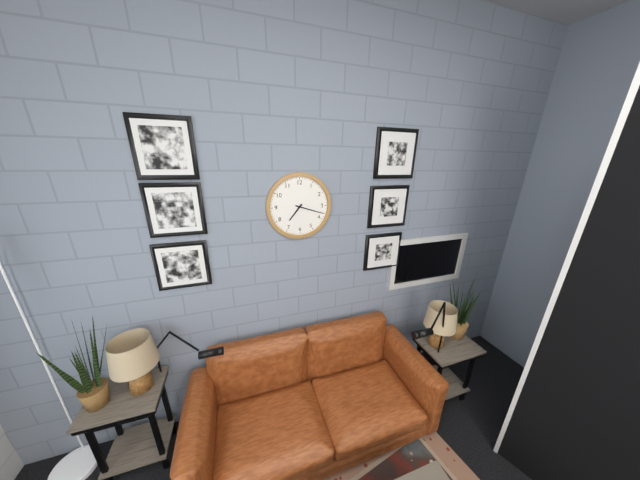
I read {"hour": 7, "minute": 18}
